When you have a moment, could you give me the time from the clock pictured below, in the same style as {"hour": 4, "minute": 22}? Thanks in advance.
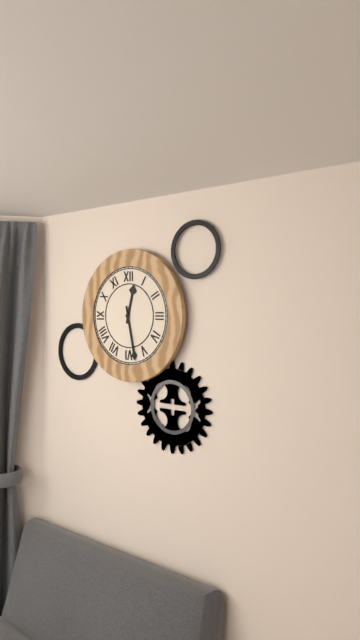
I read {"hour": 12, "minute": 28}
